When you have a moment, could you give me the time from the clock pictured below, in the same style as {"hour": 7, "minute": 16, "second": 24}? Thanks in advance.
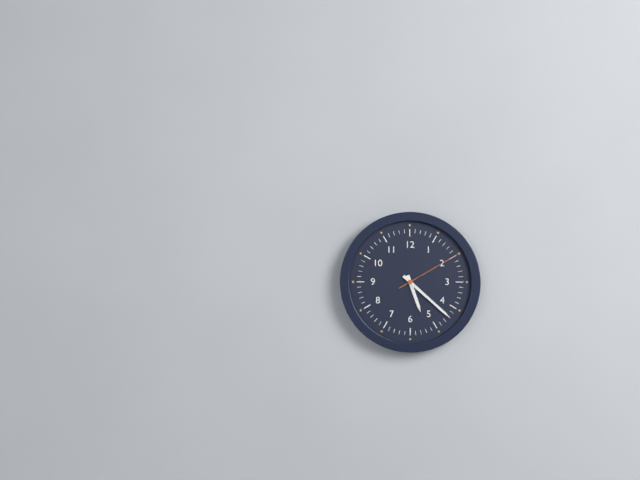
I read {"hour": 5, "minute": 22, "second": 10}
